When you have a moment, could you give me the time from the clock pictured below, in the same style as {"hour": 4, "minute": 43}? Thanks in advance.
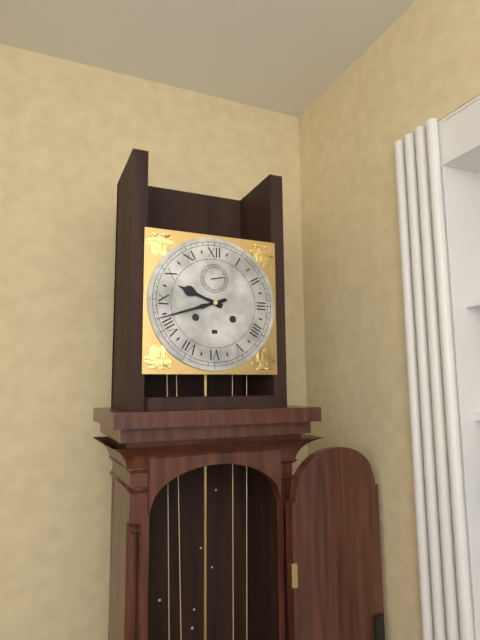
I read {"hour": 9, "minute": 42}
